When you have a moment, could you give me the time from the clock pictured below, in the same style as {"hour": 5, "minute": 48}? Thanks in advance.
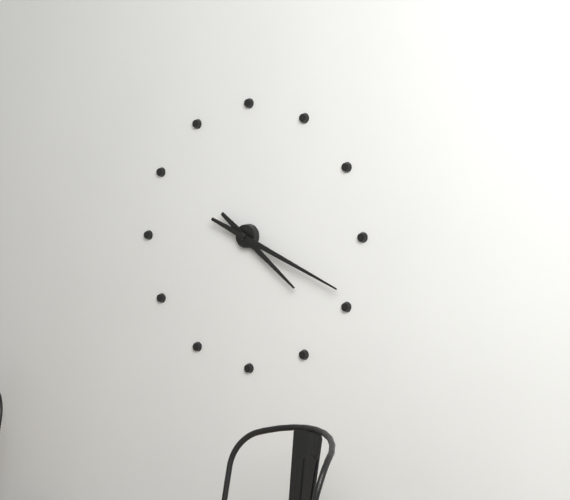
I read {"hour": 4, "minute": 19}
